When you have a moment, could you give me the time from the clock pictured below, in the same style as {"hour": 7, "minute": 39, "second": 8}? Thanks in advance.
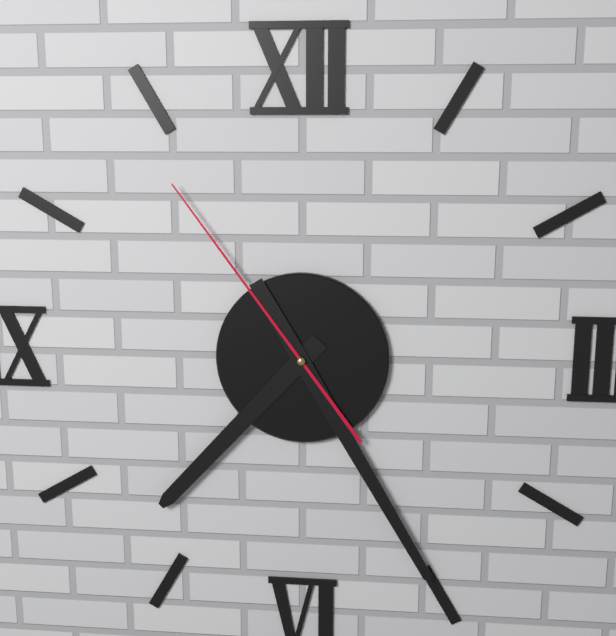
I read {"hour": 7, "minute": 25, "second": 54}
